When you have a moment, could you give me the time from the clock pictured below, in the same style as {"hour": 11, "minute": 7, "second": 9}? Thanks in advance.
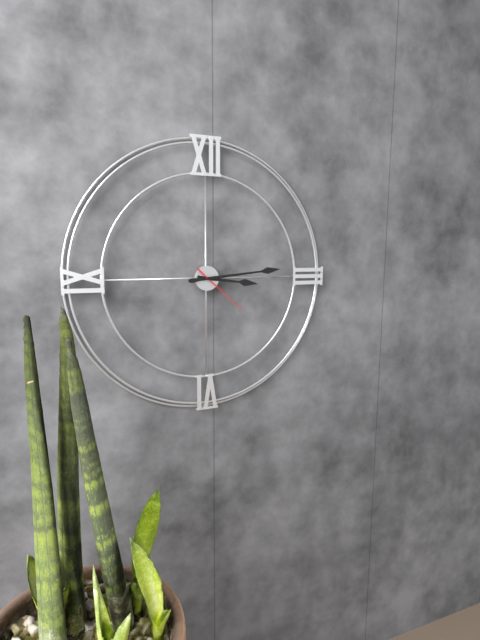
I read {"hour": 3, "minute": 14, "second": 22}
